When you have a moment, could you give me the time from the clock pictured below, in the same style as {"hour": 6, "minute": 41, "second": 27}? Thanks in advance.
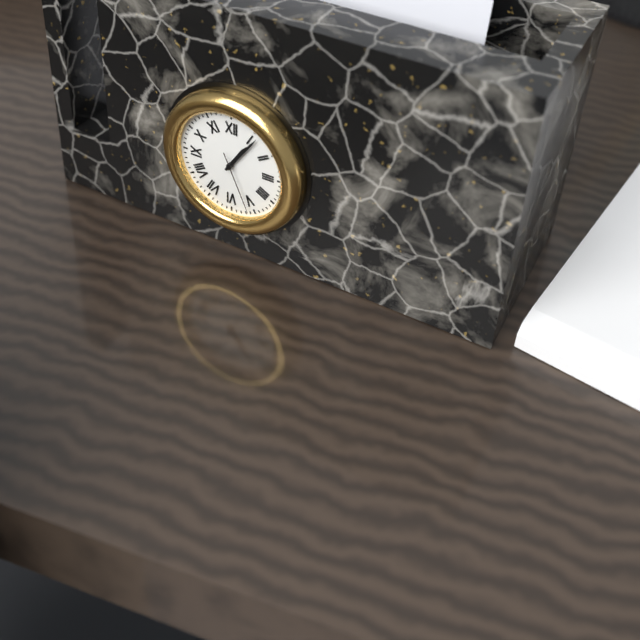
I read {"hour": 1, "minute": 6, "second": 26}
